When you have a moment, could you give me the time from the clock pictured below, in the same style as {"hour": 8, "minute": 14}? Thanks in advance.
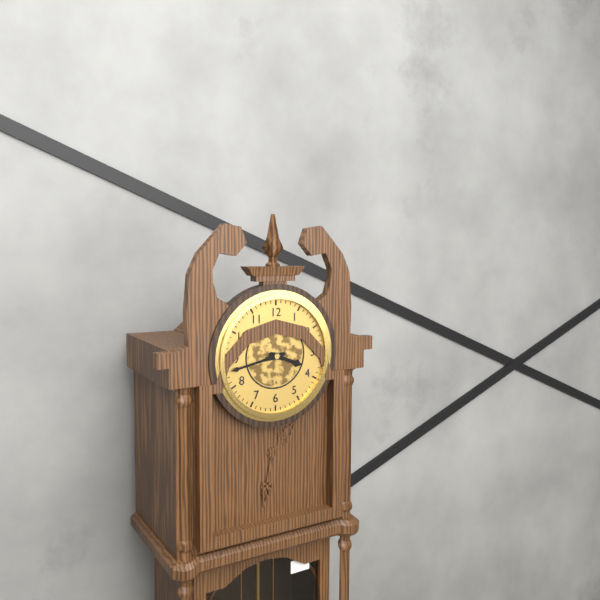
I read {"hour": 3, "minute": 43}
